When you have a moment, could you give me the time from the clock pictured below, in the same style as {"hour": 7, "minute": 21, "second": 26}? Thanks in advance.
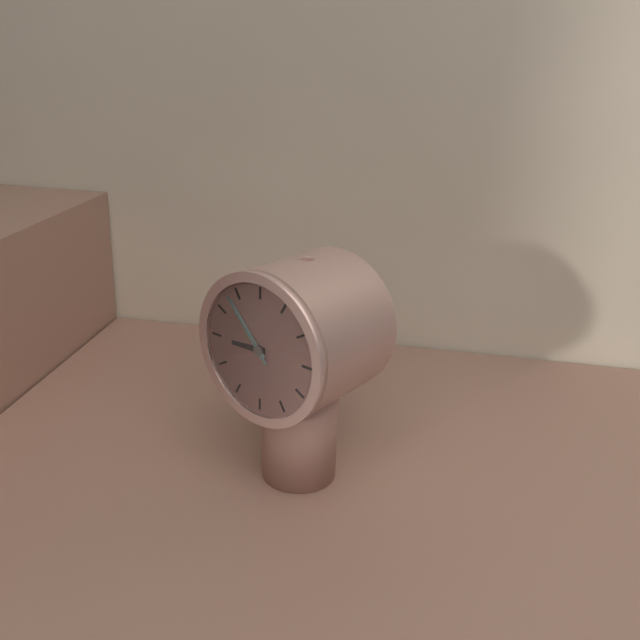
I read {"hour": 8, "minute": 53, "second": 53}
